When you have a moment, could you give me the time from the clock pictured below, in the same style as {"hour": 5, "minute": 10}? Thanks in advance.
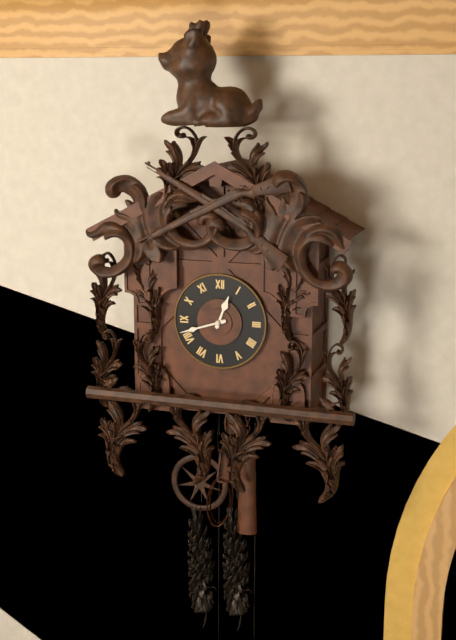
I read {"hour": 12, "minute": 42}
